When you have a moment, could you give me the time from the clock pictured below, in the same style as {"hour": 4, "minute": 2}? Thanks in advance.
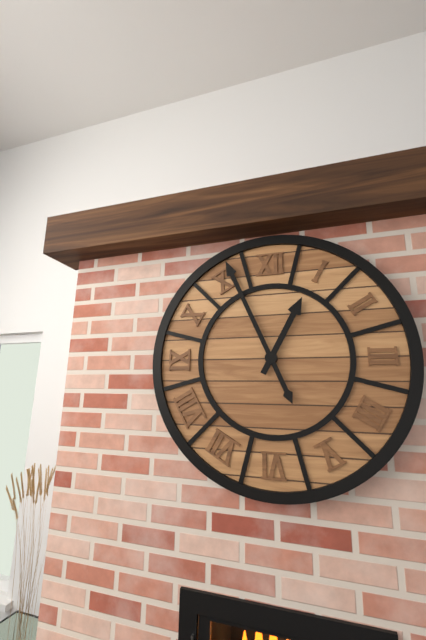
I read {"hour": 12, "minute": 56}
